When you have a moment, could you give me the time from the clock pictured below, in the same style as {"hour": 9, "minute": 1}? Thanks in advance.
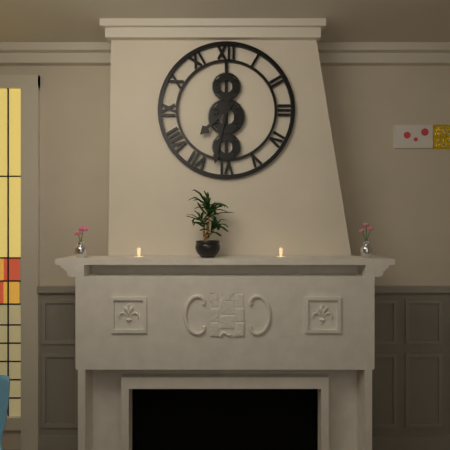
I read {"hour": 7, "minute": 32}
